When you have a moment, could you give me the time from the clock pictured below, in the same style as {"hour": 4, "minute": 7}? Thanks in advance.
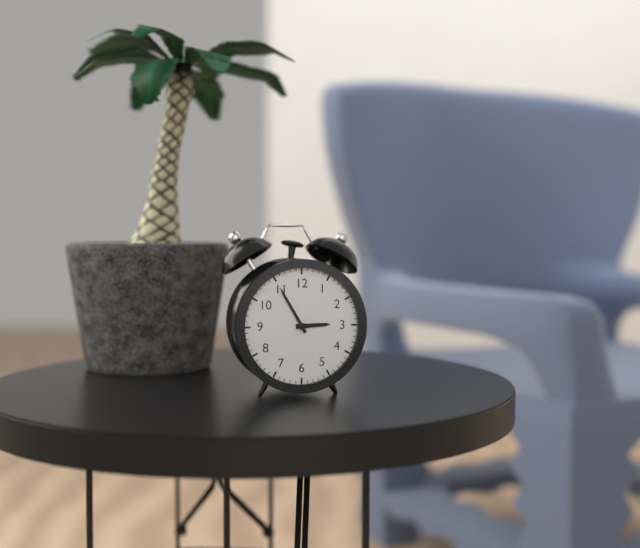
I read {"hour": 2, "minute": 55}
